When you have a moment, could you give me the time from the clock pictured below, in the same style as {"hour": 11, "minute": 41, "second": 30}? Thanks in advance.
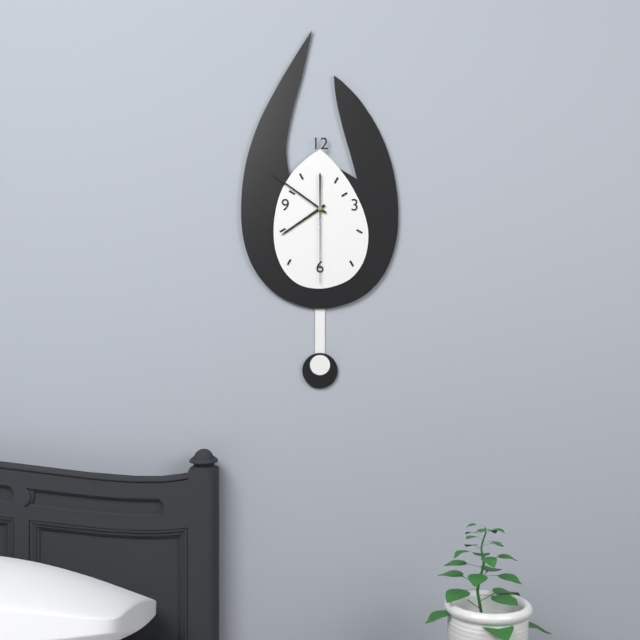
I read {"hour": 7, "minute": 51, "second": 30}
